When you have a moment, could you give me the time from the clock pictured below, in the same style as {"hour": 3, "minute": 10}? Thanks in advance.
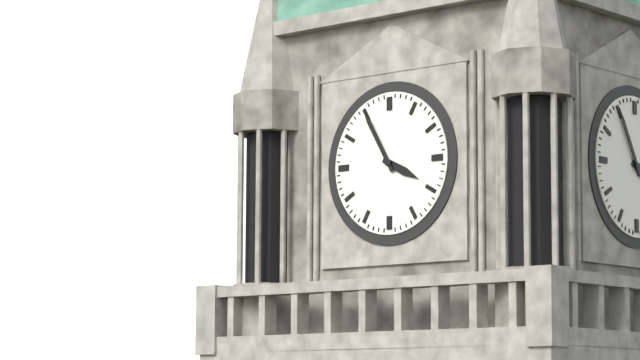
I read {"hour": 3, "minute": 55}
